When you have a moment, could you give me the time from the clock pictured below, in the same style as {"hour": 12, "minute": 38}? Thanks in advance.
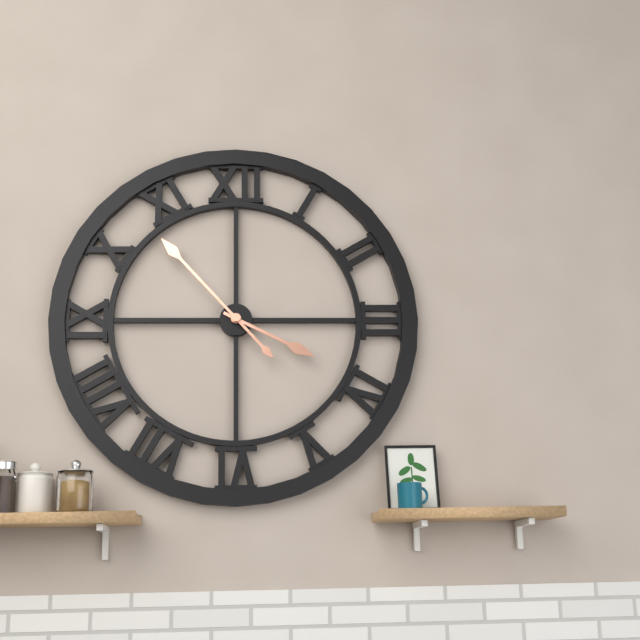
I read {"hour": 3, "minute": 53}
